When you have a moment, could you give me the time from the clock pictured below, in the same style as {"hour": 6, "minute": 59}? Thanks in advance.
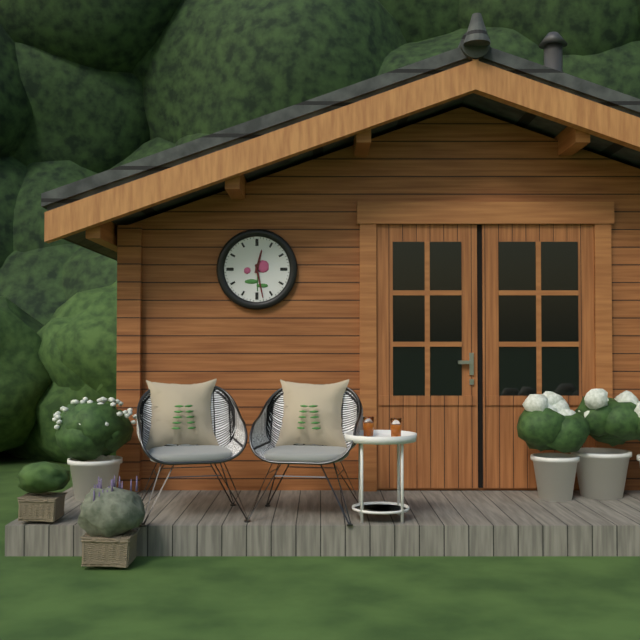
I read {"hour": 12, "minute": 28}
